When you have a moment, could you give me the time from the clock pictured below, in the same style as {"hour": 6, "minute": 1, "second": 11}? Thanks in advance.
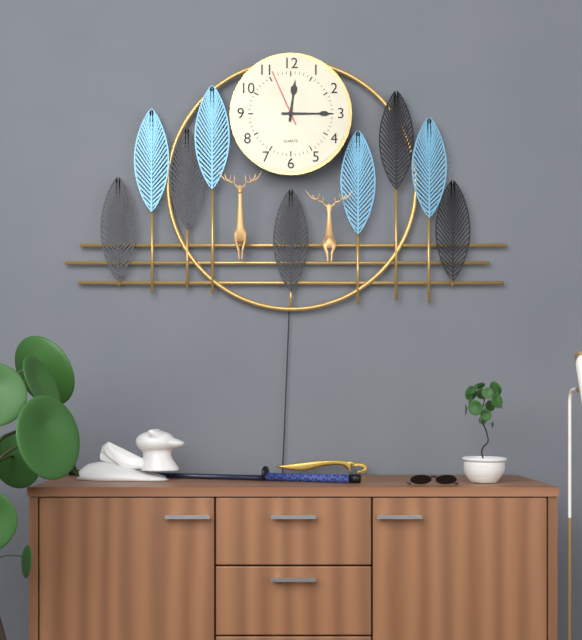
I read {"hour": 12, "minute": 15, "second": 56}
